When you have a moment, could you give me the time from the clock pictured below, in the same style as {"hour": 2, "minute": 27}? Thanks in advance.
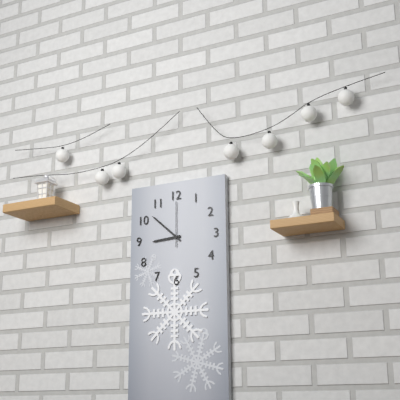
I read {"hour": 8, "minute": 52}
